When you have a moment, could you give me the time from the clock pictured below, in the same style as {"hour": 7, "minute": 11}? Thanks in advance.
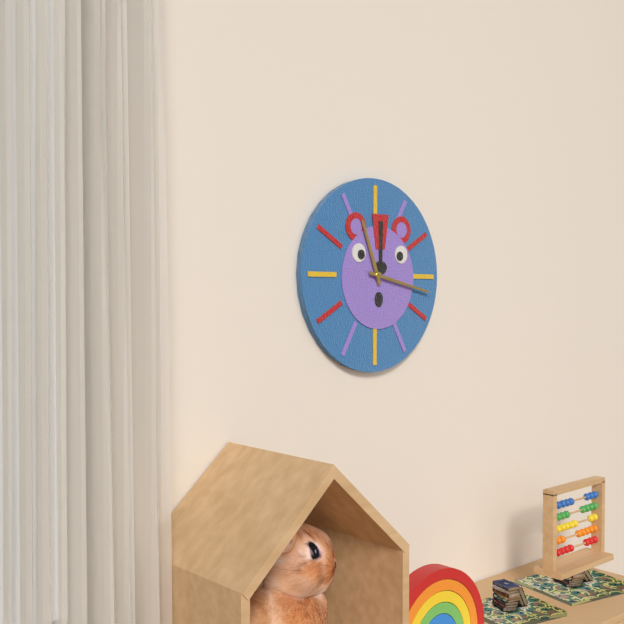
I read {"hour": 11, "minute": 17}
